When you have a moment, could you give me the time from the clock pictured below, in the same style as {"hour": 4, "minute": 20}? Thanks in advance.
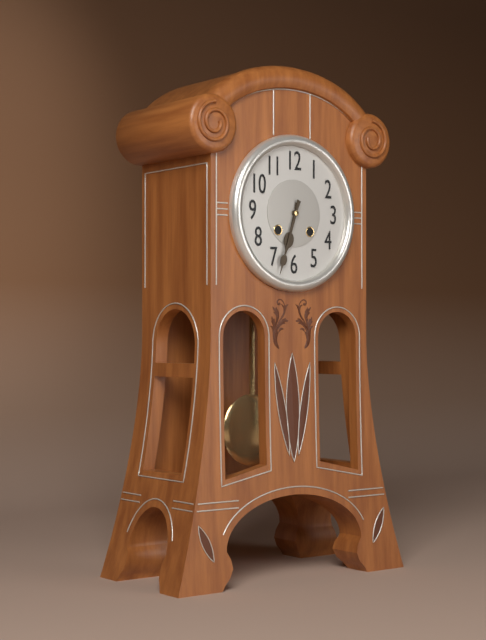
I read {"hour": 6, "minute": 33}
